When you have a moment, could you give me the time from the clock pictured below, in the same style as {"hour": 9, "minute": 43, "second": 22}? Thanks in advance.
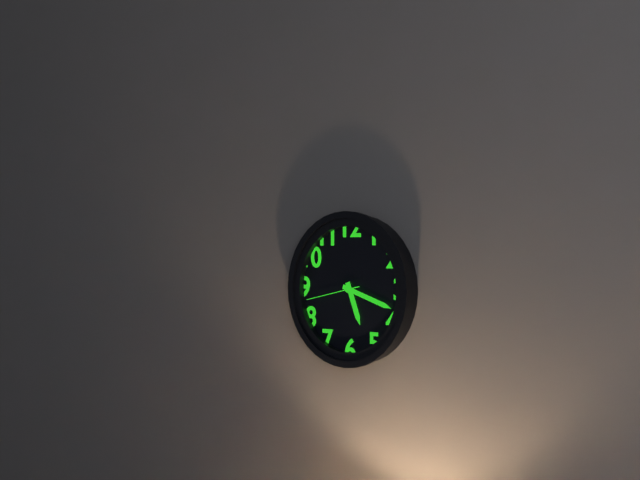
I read {"hour": 5, "minute": 18, "second": 43}
